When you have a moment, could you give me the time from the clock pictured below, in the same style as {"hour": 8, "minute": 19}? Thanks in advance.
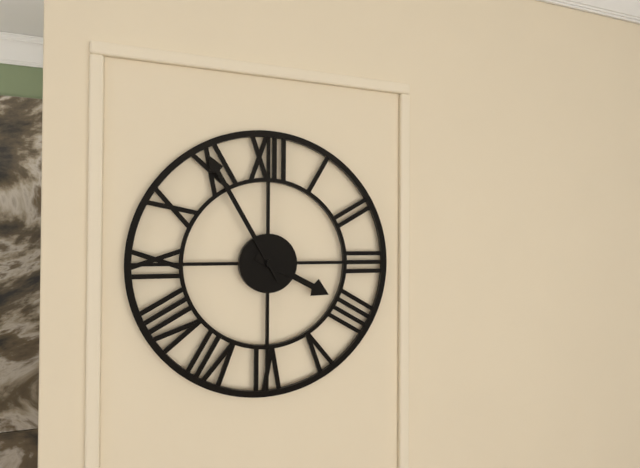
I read {"hour": 3, "minute": 55}
